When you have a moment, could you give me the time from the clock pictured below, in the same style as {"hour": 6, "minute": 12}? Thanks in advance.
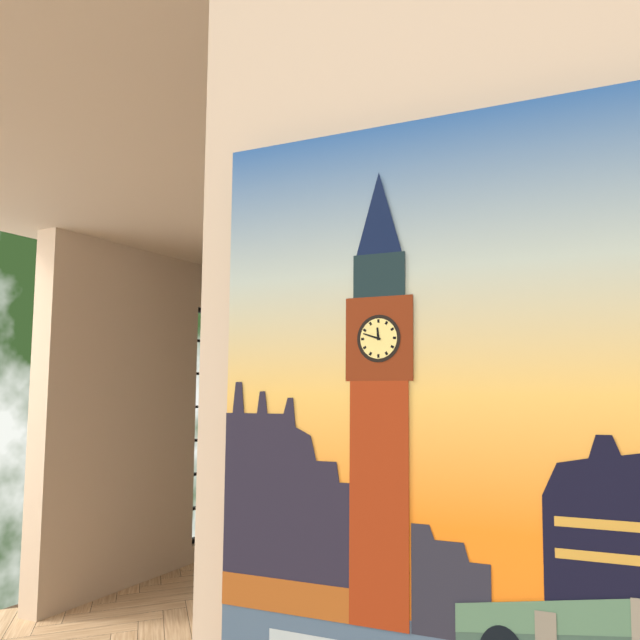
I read {"hour": 11, "minute": 48}
